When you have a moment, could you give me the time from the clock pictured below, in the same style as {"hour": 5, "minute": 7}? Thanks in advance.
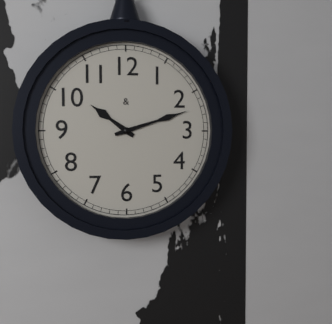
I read {"hour": 10, "minute": 12}
